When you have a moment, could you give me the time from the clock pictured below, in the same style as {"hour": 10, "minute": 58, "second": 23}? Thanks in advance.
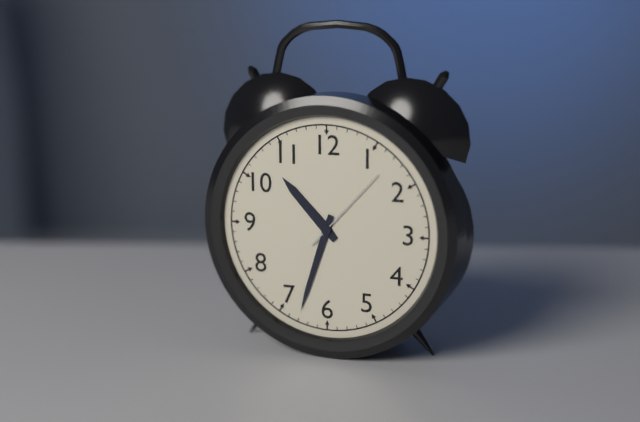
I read {"hour": 10, "minute": 33, "second": 7}
